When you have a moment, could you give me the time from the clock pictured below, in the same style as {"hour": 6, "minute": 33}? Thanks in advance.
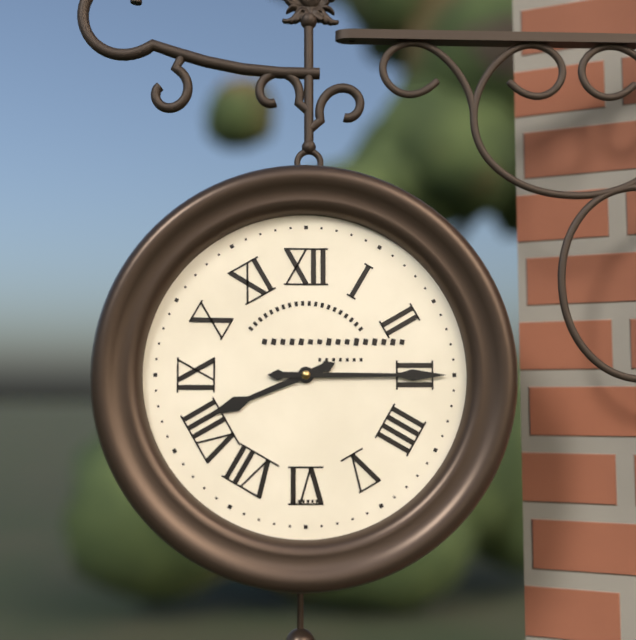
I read {"hour": 8, "minute": 15}
